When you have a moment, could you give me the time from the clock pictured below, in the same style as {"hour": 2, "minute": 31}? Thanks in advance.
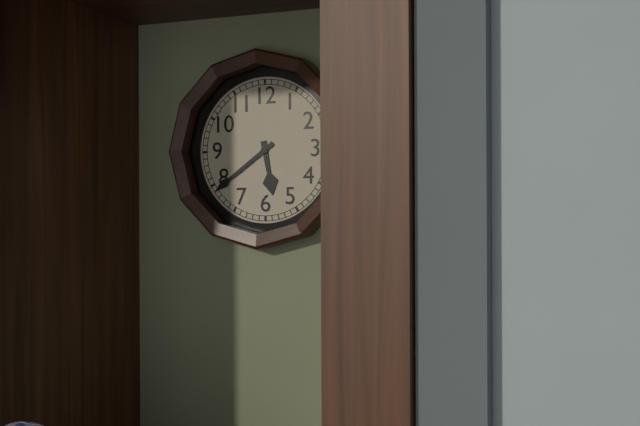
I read {"hour": 5, "minute": 39}
